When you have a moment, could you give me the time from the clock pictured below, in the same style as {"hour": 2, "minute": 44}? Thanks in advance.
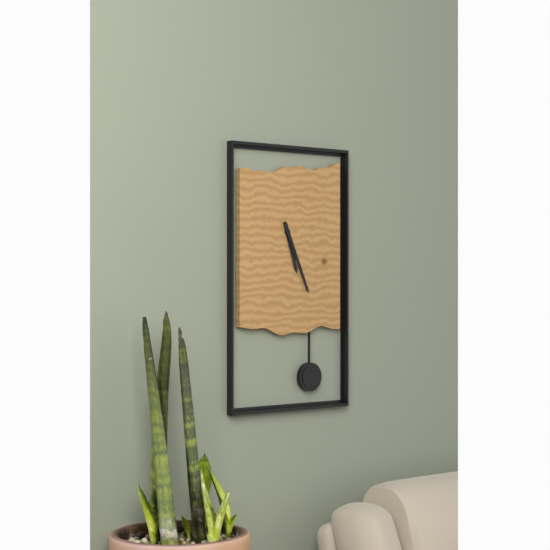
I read {"hour": 5, "minute": 26}
